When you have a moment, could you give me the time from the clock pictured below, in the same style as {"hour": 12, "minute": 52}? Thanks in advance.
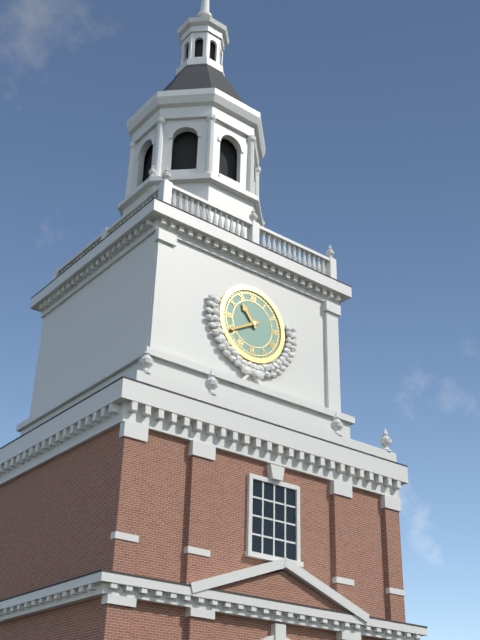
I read {"hour": 10, "minute": 40}
